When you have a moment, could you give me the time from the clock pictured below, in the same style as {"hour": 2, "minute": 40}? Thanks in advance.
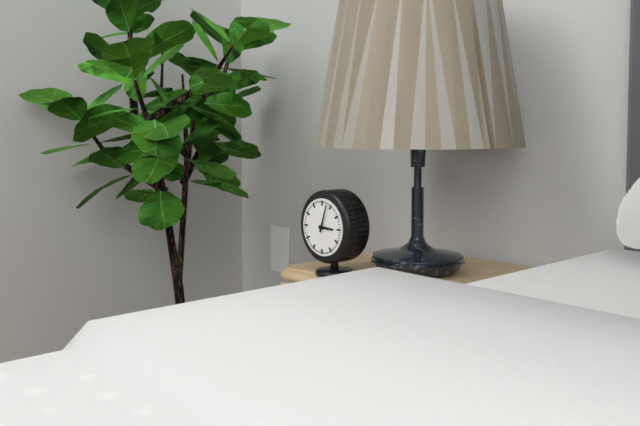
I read {"hour": 3, "minute": 3}
